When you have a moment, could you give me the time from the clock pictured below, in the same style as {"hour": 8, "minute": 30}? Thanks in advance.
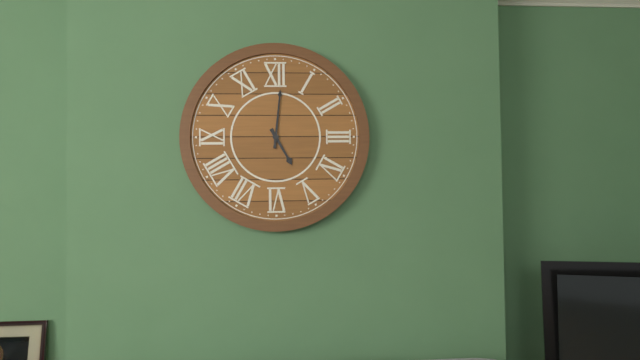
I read {"hour": 5, "minute": 1}
